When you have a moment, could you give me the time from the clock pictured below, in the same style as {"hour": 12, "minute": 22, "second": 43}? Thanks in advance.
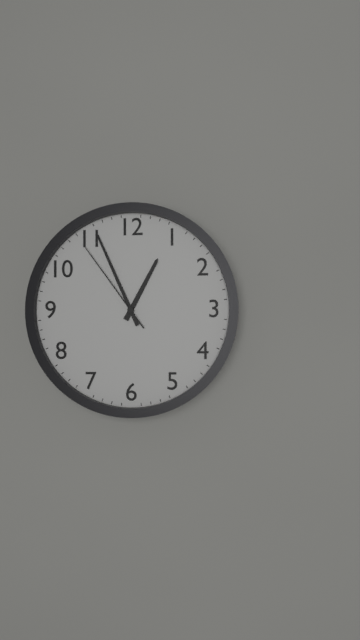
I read {"hour": 12, "minute": 56, "second": 54}
